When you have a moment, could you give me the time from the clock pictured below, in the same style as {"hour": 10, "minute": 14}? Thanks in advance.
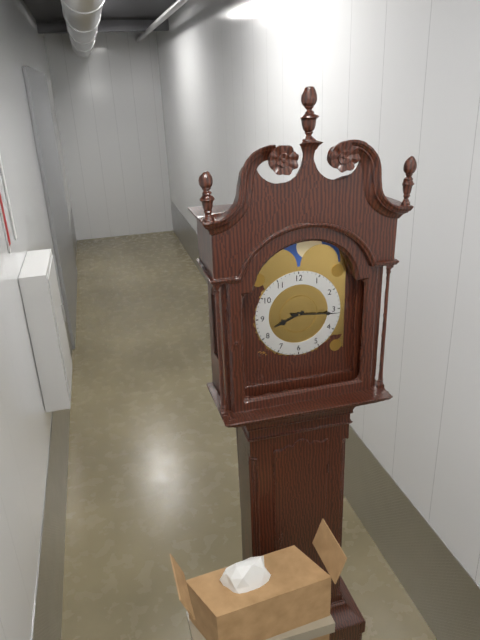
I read {"hour": 8, "minute": 16}
